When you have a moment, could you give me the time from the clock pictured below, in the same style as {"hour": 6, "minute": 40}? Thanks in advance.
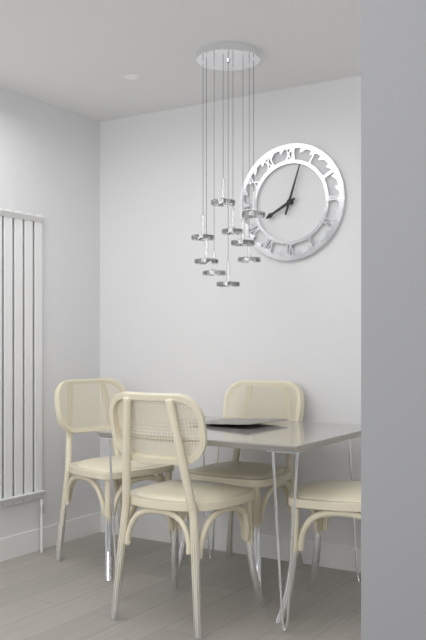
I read {"hour": 8, "minute": 3}
